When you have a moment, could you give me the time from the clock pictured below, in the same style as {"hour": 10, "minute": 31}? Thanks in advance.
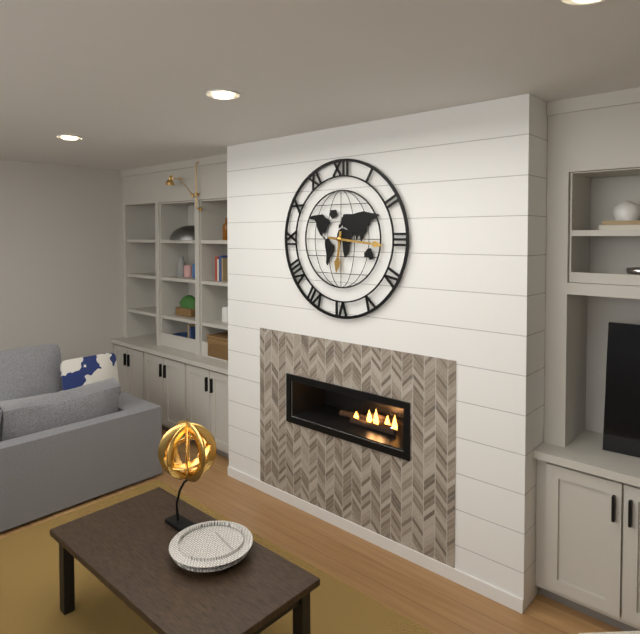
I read {"hour": 6, "minute": 16}
